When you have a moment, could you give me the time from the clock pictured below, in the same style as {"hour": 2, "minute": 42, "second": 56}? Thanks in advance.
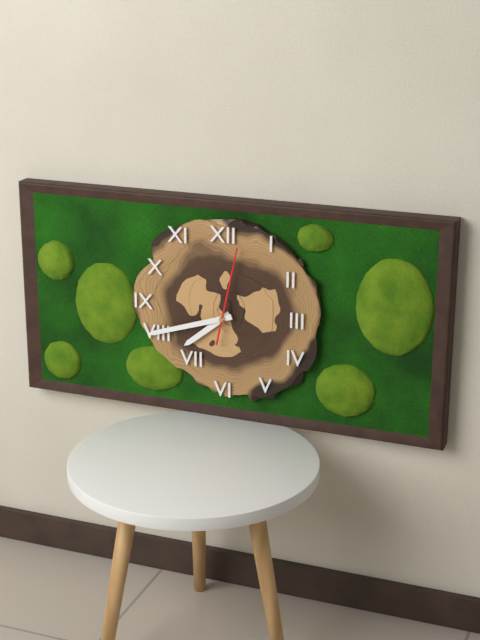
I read {"hour": 7, "minute": 42, "second": 2}
